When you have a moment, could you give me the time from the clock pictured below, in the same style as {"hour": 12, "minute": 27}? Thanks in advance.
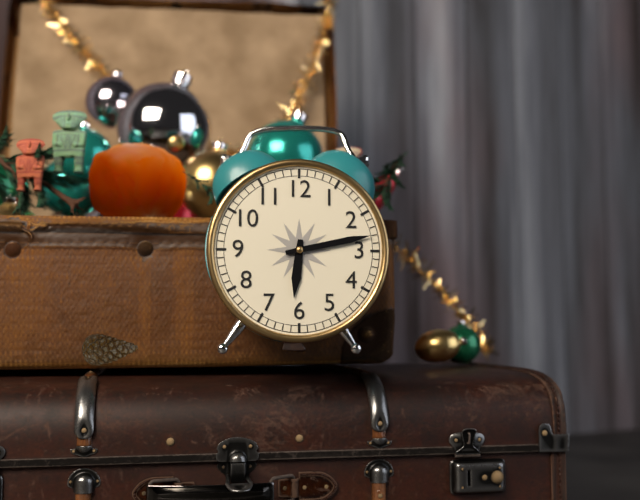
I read {"hour": 6, "minute": 13}
